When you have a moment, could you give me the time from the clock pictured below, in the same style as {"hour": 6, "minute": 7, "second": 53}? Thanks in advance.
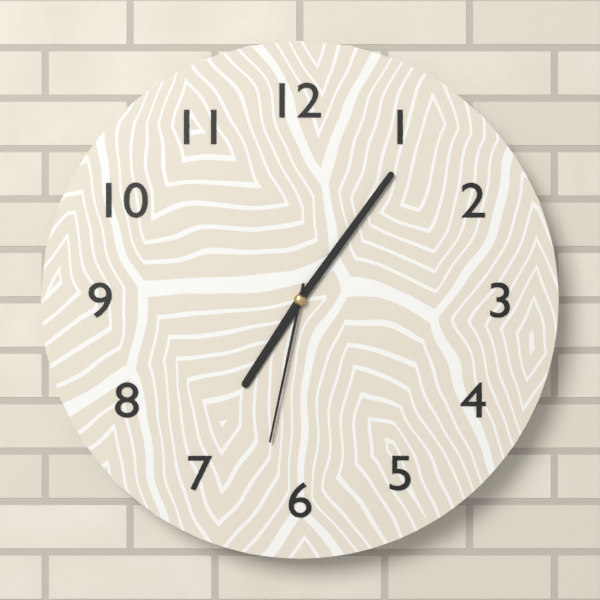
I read {"hour": 7, "minute": 6, "second": 32}
